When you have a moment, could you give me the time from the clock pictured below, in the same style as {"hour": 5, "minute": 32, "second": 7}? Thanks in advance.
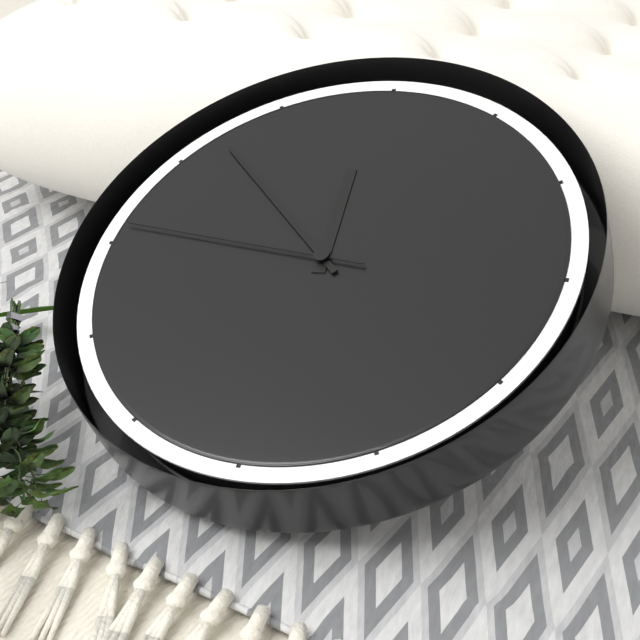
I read {"hour": 11, "minute": 52, "second": 46}
